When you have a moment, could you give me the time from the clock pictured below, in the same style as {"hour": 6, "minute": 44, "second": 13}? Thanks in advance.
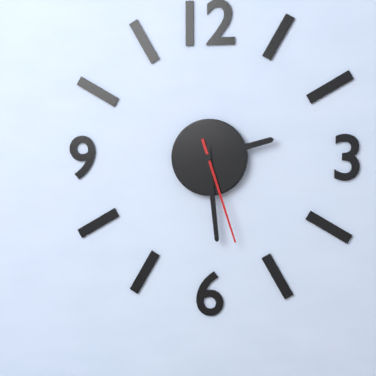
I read {"hour": 2, "minute": 29, "second": 27}
